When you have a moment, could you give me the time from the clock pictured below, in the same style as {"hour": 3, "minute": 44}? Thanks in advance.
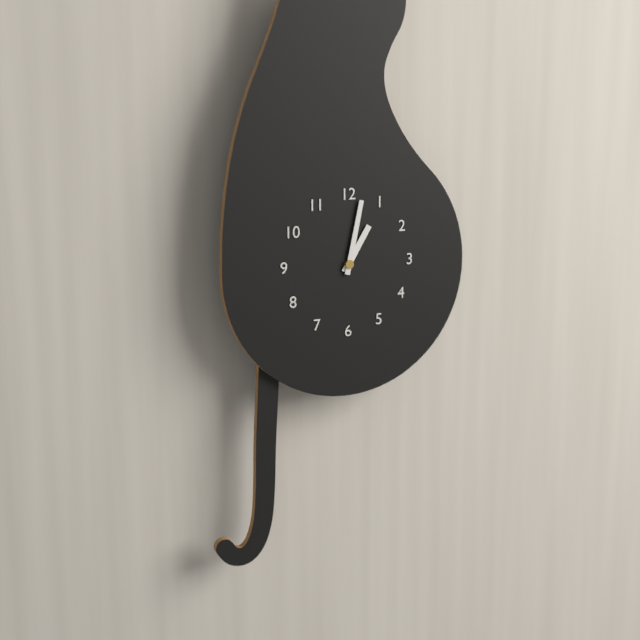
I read {"hour": 1, "minute": 2}
